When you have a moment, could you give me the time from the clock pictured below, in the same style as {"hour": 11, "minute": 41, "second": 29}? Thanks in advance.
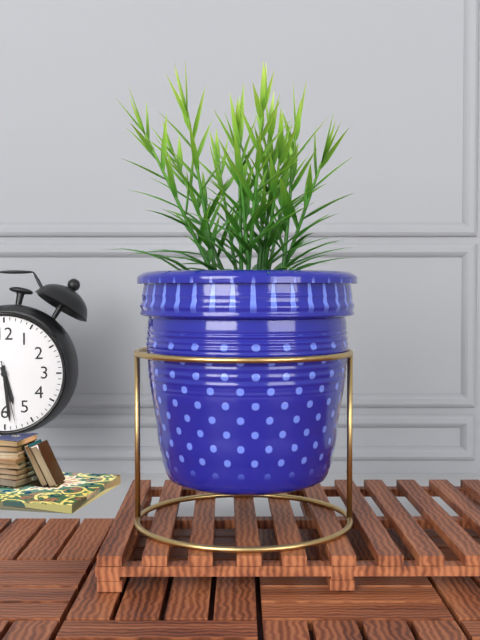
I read {"hour": 5, "minute": 29, "second": 28}
